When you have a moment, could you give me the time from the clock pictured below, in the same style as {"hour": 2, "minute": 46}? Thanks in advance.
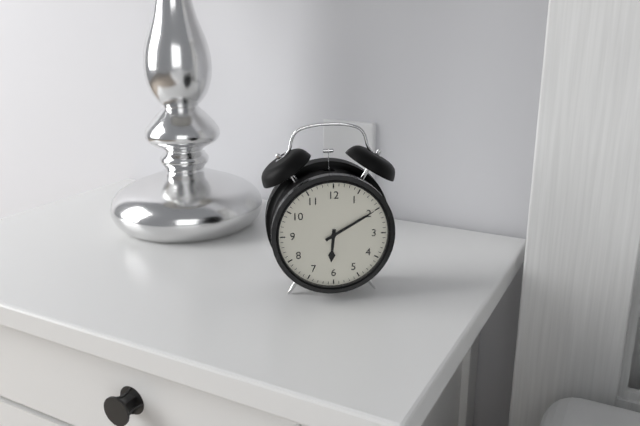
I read {"hour": 6, "minute": 10}
